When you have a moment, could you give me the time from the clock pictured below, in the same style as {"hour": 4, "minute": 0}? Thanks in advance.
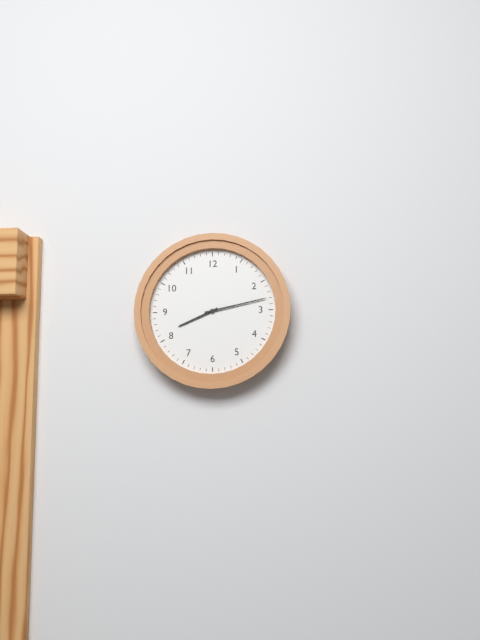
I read {"hour": 8, "minute": 13}
